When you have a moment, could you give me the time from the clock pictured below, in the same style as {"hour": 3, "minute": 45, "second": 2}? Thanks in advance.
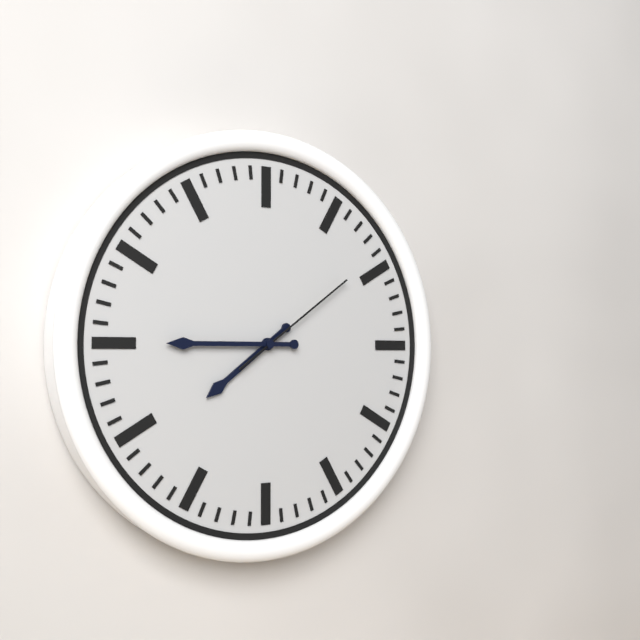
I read {"hour": 7, "minute": 45, "second": 9}
